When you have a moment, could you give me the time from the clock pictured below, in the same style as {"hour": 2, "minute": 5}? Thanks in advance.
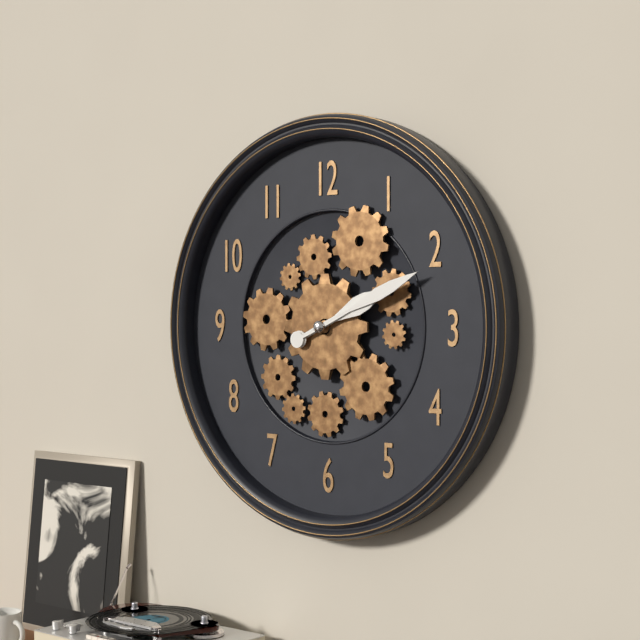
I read {"hour": 2, "minute": 11}
